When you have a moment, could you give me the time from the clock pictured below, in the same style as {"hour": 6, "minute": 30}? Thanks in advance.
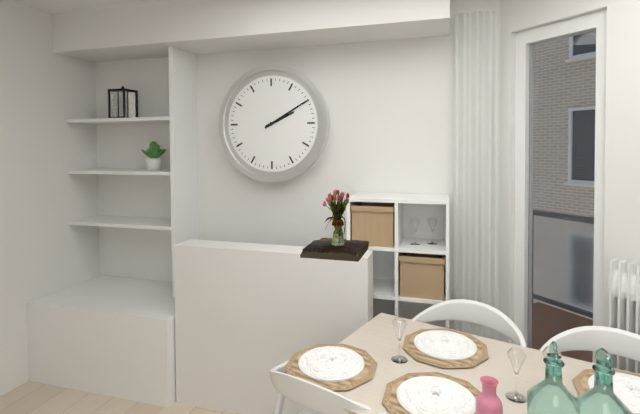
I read {"hour": 2, "minute": 10}
